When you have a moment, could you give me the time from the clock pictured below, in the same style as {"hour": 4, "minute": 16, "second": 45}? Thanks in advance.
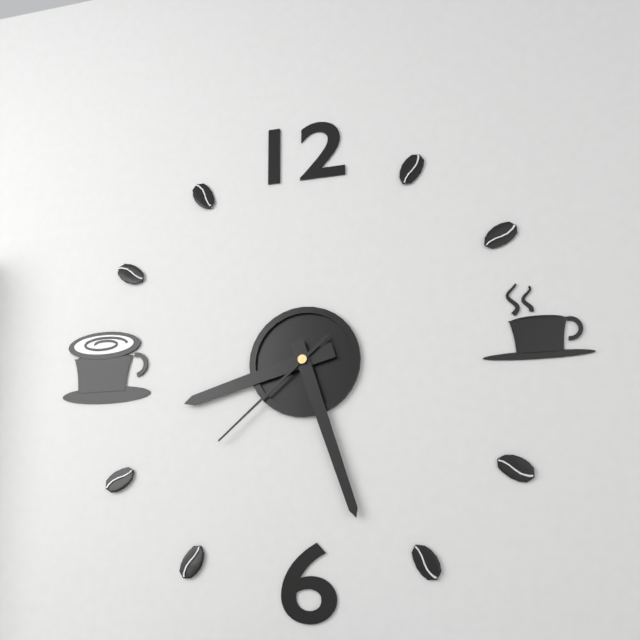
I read {"hour": 8, "minute": 27, "second": 38}
